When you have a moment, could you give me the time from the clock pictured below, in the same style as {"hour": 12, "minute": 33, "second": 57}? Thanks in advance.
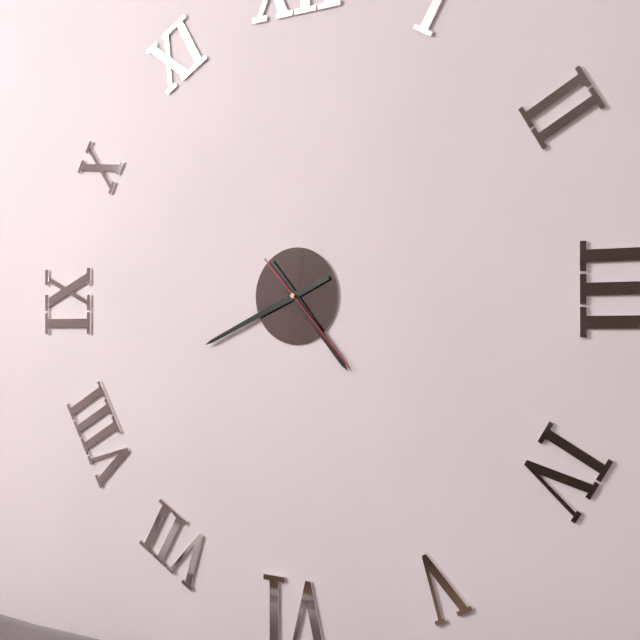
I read {"hour": 4, "minute": 41, "second": 23}
